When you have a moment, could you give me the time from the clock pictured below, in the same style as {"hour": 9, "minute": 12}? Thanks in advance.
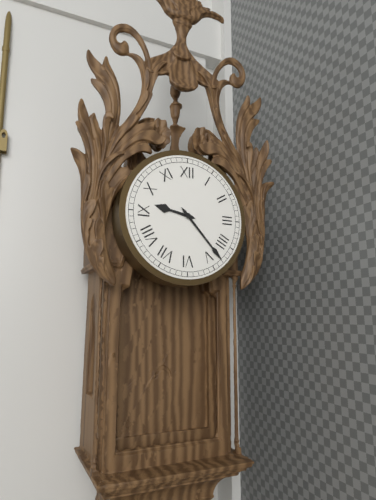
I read {"hour": 9, "minute": 23}
